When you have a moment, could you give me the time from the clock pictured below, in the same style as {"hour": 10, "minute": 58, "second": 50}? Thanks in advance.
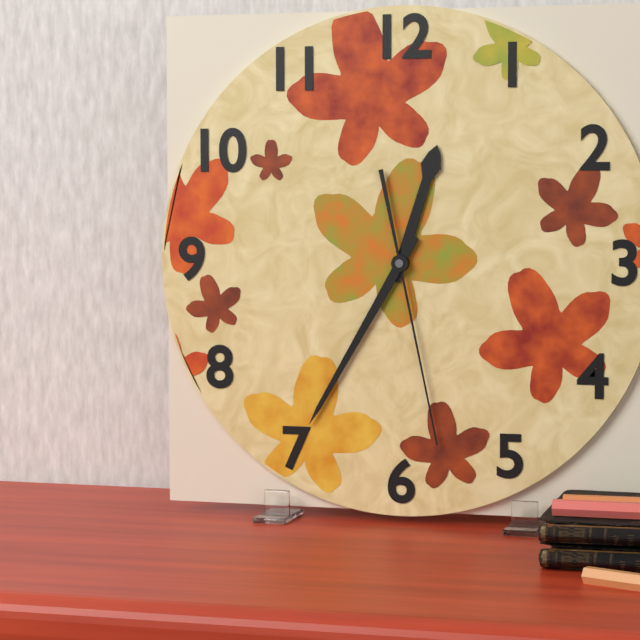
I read {"hour": 12, "minute": 35, "second": 28}
